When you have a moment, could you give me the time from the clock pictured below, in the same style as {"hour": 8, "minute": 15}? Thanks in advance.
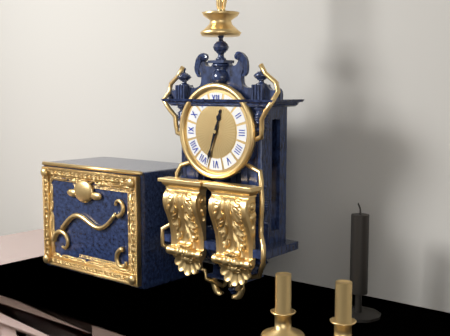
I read {"hour": 12, "minute": 33}
